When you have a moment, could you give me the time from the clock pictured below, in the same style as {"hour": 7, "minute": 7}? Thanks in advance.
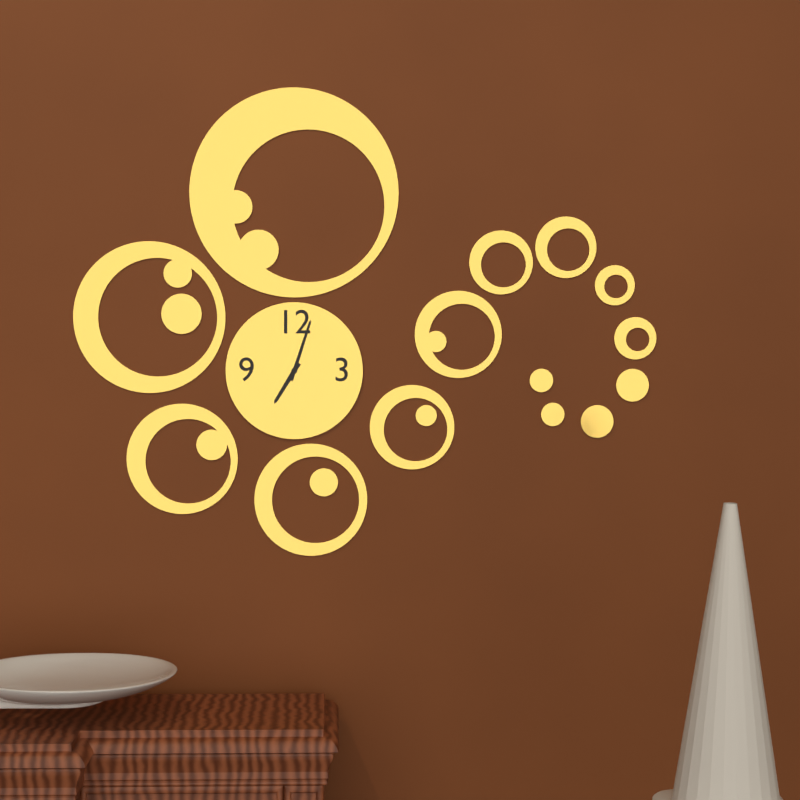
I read {"hour": 7, "minute": 3}
